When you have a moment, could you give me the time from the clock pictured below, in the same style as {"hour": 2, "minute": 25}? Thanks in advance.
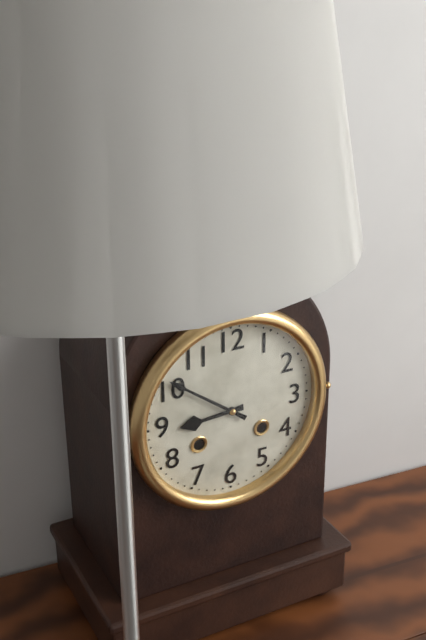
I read {"hour": 8, "minute": 51}
